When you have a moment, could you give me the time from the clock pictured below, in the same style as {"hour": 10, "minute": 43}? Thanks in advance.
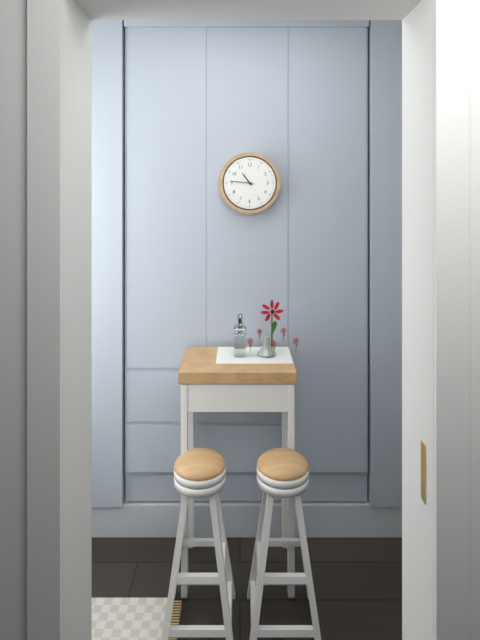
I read {"hour": 10, "minute": 46}
